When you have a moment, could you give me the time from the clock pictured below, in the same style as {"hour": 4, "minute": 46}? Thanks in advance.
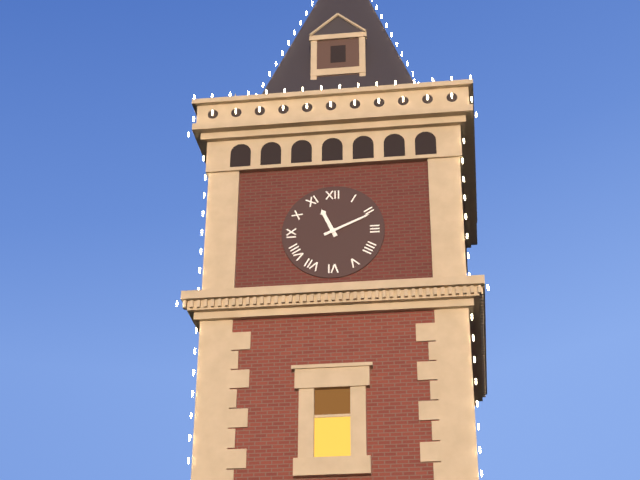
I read {"hour": 11, "minute": 11}
